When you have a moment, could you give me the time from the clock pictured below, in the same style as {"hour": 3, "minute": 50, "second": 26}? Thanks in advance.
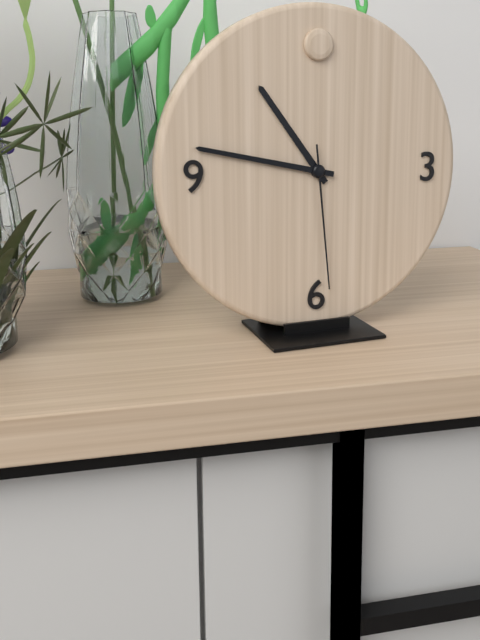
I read {"hour": 10, "minute": 47, "second": 29}
